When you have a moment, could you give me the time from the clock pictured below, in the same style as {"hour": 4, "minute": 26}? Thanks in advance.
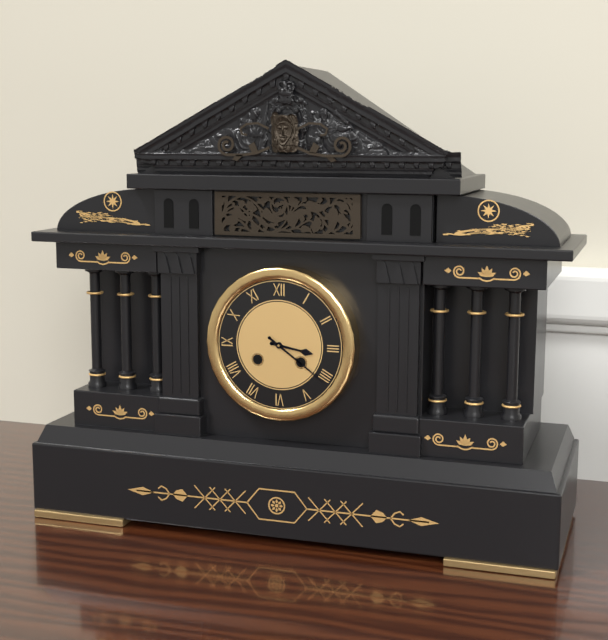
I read {"hour": 3, "minute": 21}
